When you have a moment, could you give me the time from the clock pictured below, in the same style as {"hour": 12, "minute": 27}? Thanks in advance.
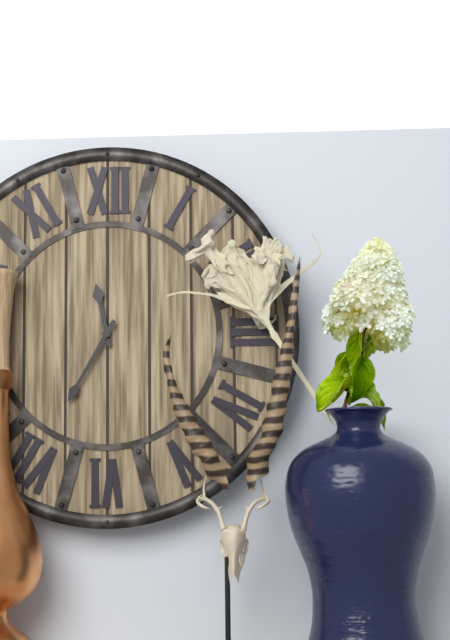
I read {"hour": 11, "minute": 35}
